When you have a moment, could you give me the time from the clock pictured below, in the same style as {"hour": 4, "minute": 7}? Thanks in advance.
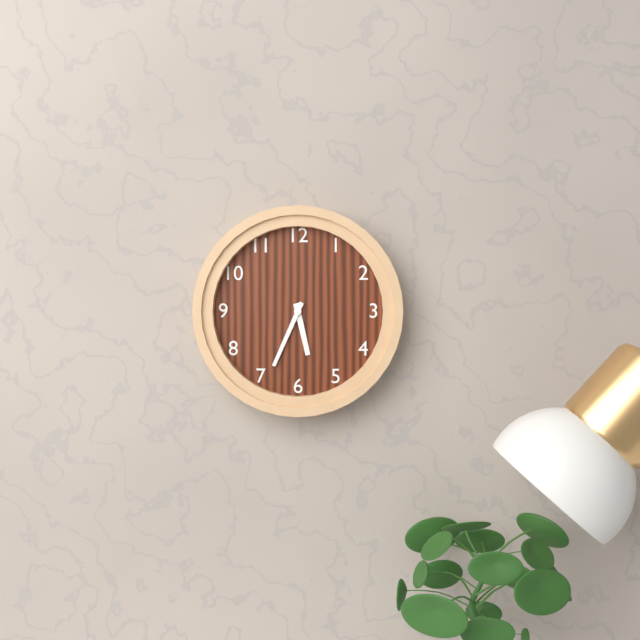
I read {"hour": 5, "minute": 34}
